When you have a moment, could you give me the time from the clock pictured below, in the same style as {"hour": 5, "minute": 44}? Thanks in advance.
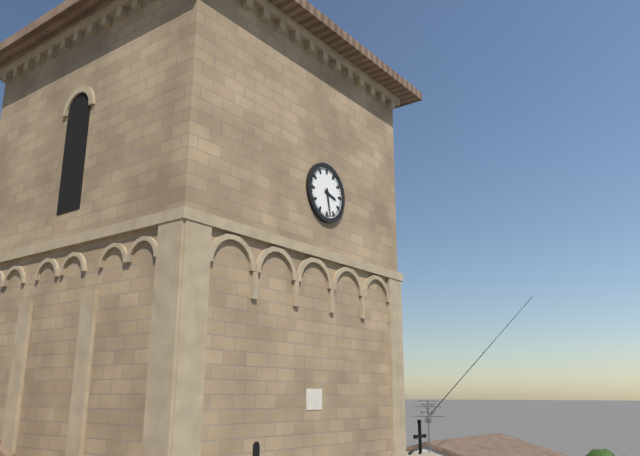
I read {"hour": 3, "minute": 28}
